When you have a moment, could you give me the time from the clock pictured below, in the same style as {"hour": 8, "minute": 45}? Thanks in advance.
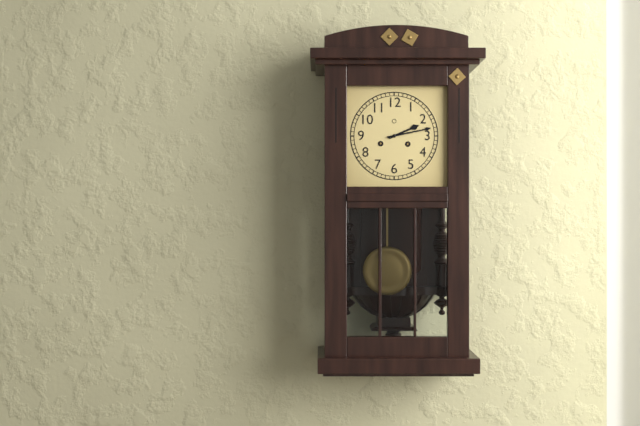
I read {"hour": 2, "minute": 13}
